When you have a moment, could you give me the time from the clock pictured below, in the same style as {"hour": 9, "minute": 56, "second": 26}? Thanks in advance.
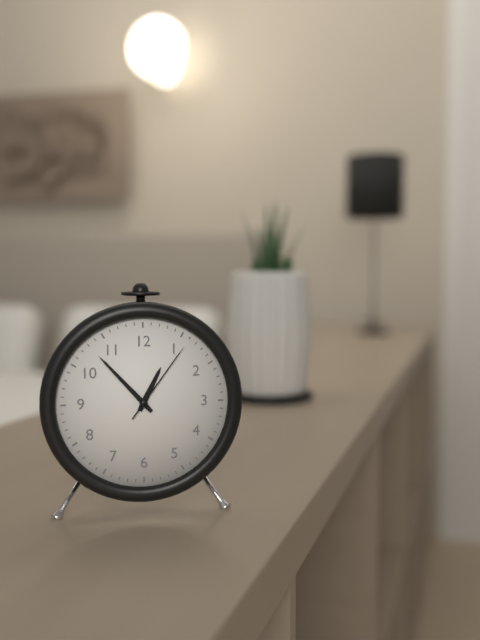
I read {"hour": 12, "minute": 53, "second": 6}
